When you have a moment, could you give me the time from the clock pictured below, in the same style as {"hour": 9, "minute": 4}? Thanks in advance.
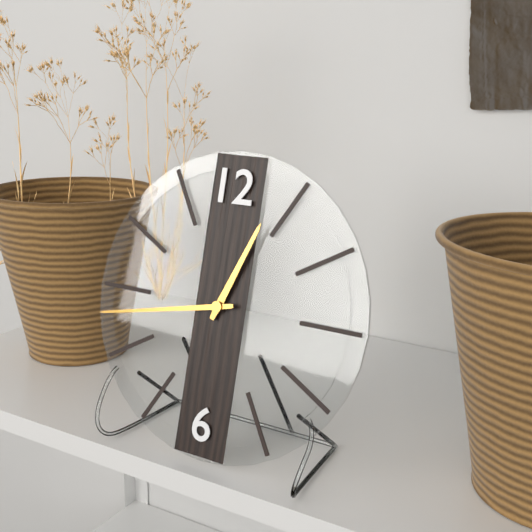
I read {"hour": 12, "minute": 43}
